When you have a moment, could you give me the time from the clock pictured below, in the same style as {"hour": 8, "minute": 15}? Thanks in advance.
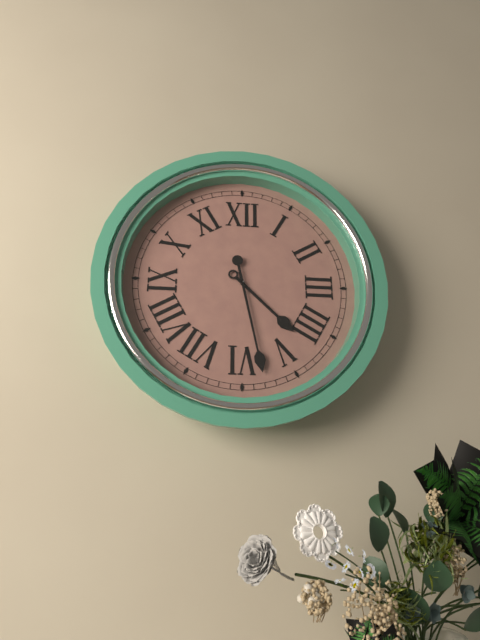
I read {"hour": 4, "minute": 28}
